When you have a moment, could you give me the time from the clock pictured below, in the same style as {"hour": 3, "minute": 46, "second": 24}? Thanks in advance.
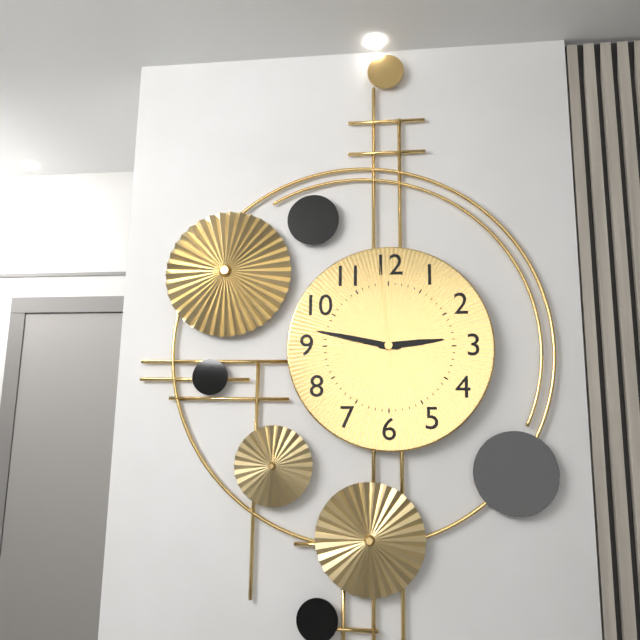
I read {"hour": 2, "minute": 47, "second": 59}
